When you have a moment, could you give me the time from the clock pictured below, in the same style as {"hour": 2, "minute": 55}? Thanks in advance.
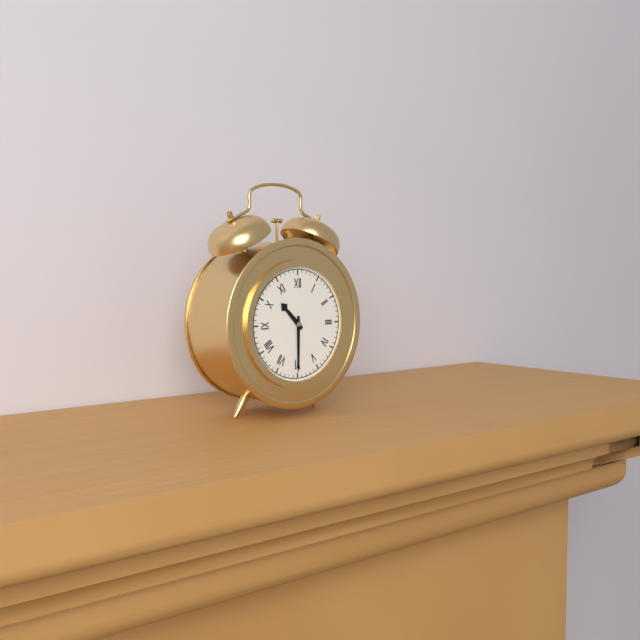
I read {"hour": 10, "minute": 30}
